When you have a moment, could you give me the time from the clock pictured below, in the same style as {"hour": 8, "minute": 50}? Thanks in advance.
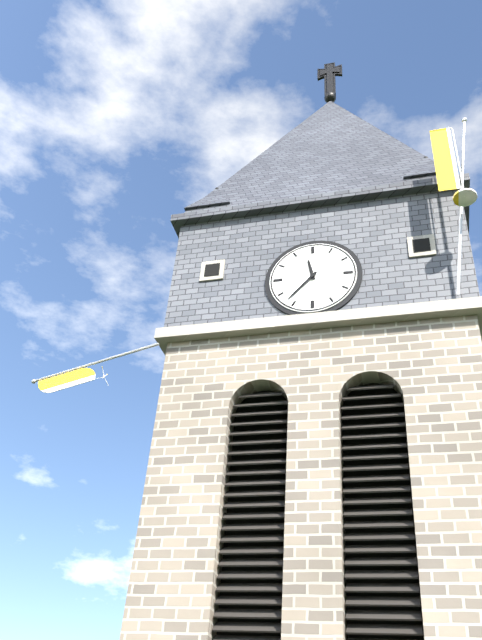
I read {"hour": 11, "minute": 37}
